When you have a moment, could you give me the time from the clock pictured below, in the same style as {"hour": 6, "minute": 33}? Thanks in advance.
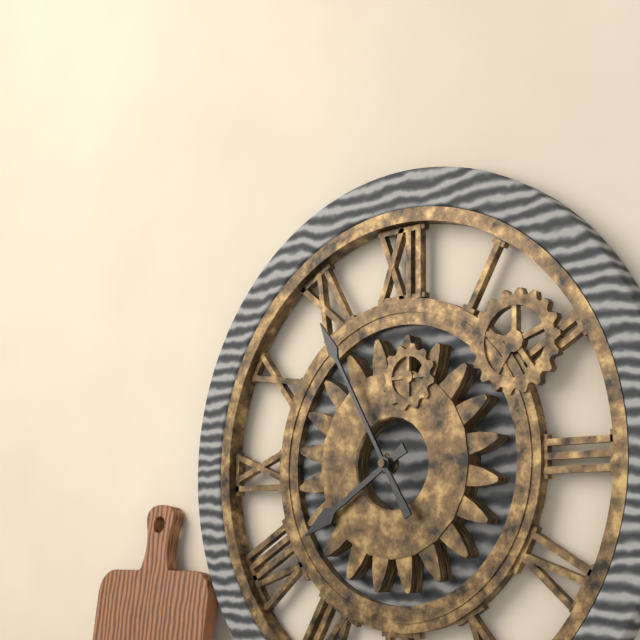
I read {"hour": 7, "minute": 55}
